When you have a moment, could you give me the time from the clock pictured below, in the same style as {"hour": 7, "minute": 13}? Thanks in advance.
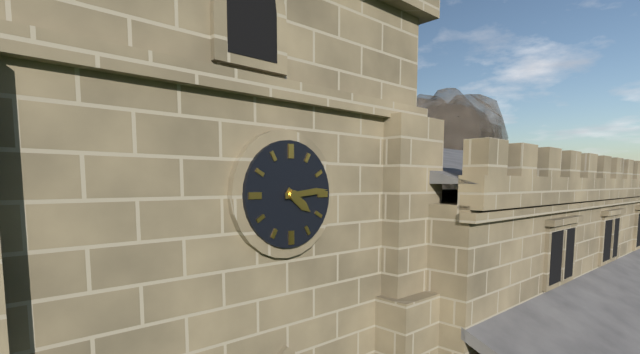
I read {"hour": 4, "minute": 14}
